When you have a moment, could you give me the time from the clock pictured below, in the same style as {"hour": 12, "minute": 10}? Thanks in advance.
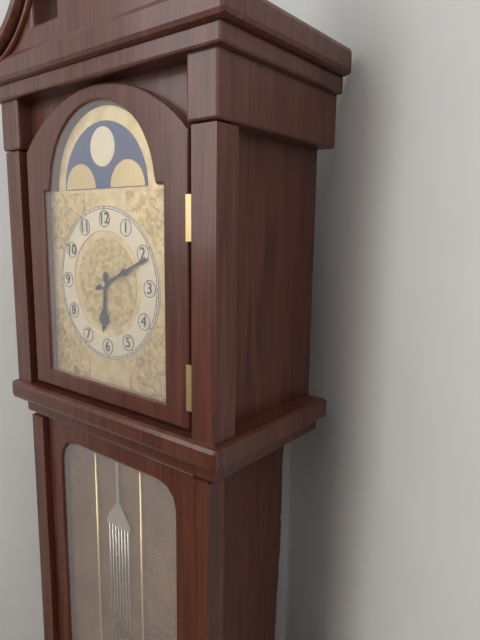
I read {"hour": 6, "minute": 11}
